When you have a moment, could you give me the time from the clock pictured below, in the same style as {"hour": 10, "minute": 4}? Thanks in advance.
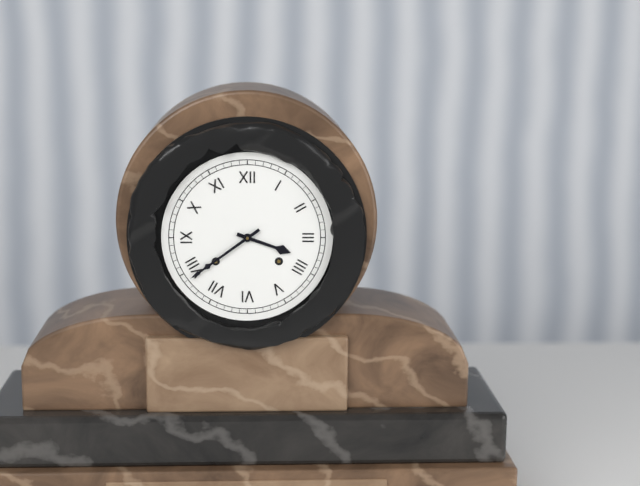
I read {"hour": 3, "minute": 39}
